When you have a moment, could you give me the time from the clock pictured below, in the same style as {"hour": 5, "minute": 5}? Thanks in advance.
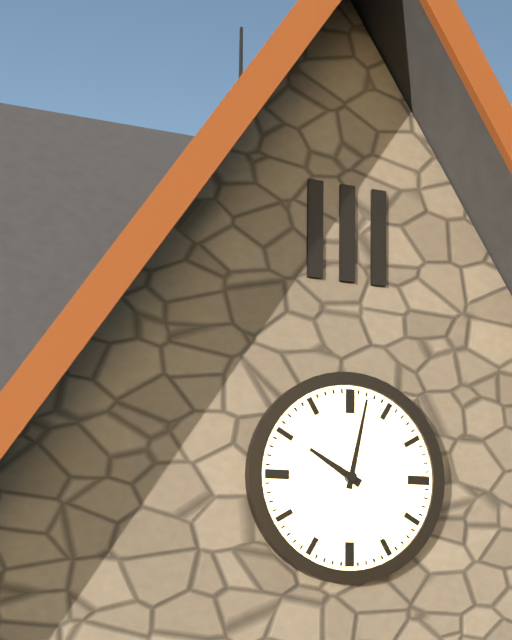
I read {"hour": 10, "minute": 2}
